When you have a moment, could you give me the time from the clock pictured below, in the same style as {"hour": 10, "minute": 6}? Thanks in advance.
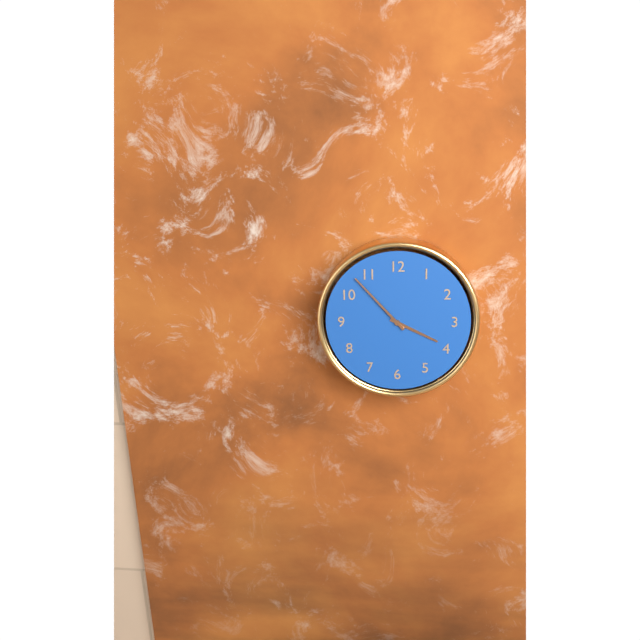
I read {"hour": 3, "minute": 53}
